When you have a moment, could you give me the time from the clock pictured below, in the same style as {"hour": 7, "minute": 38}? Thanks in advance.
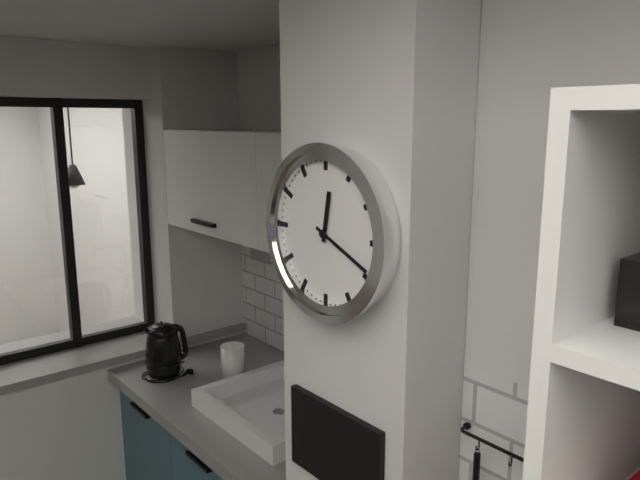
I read {"hour": 12, "minute": 19}
